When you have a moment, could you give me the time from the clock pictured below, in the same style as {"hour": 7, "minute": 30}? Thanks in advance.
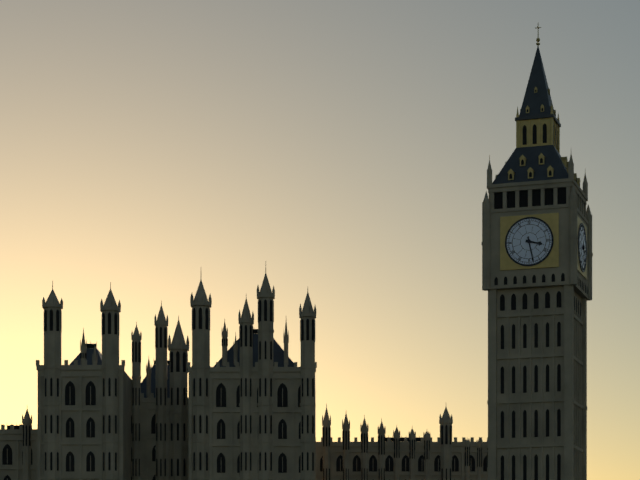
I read {"hour": 3, "minute": 28}
